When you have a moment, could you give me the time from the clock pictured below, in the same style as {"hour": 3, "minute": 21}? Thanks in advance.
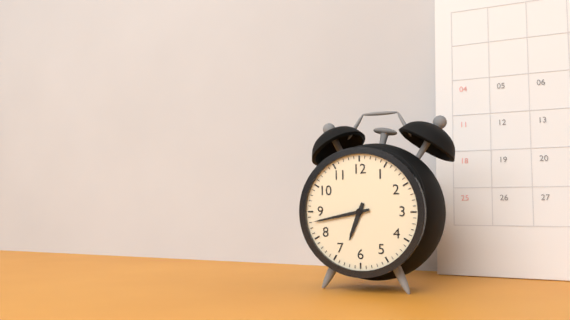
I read {"hour": 6, "minute": 43}
